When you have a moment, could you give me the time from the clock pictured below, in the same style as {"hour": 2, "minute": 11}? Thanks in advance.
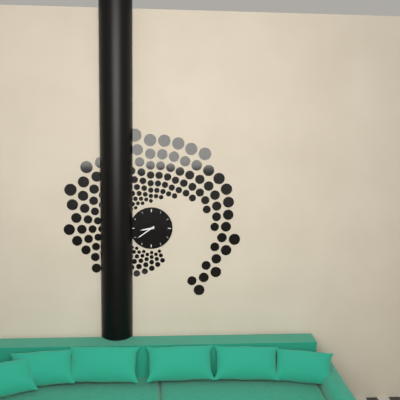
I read {"hour": 8, "minute": 39}
